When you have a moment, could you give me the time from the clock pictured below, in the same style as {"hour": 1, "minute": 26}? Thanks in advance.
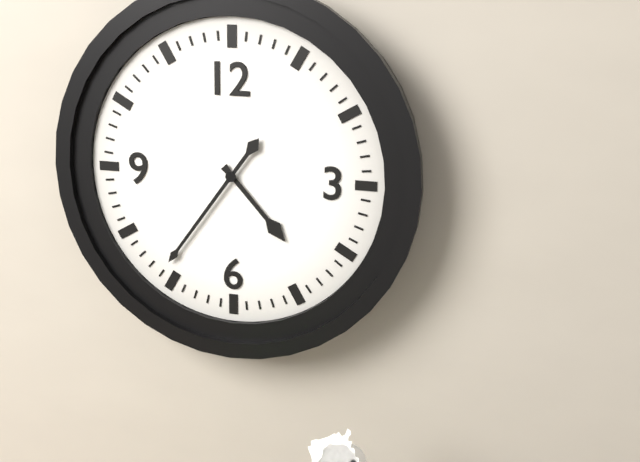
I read {"hour": 4, "minute": 36}
